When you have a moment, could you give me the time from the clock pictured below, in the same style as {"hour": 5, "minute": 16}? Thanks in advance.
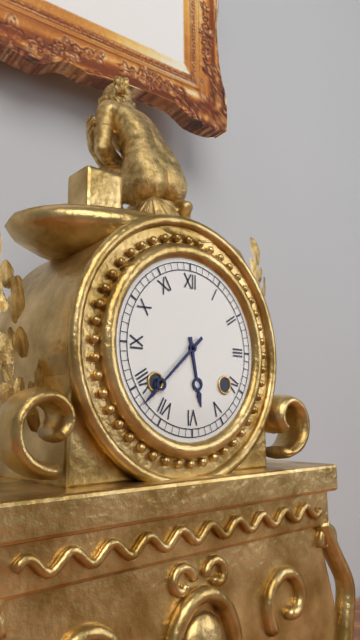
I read {"hour": 5, "minute": 38}
